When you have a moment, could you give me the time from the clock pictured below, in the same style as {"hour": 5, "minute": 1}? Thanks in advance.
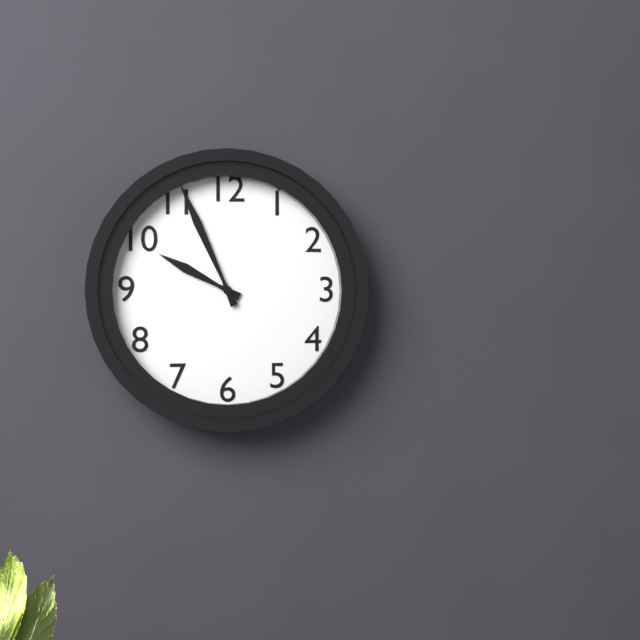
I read {"hour": 9, "minute": 56}
